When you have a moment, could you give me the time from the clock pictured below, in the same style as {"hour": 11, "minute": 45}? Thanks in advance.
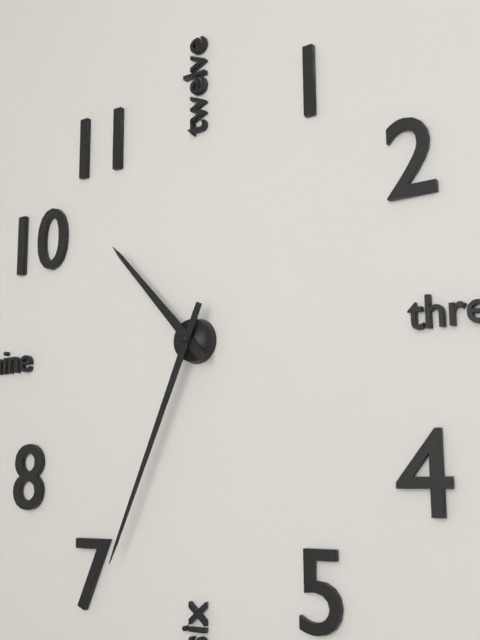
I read {"hour": 10, "minute": 34}
